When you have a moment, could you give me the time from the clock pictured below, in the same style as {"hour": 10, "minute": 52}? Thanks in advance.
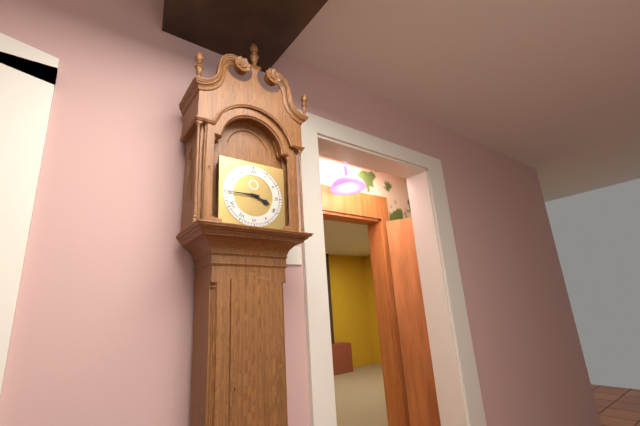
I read {"hour": 3, "minute": 45}
